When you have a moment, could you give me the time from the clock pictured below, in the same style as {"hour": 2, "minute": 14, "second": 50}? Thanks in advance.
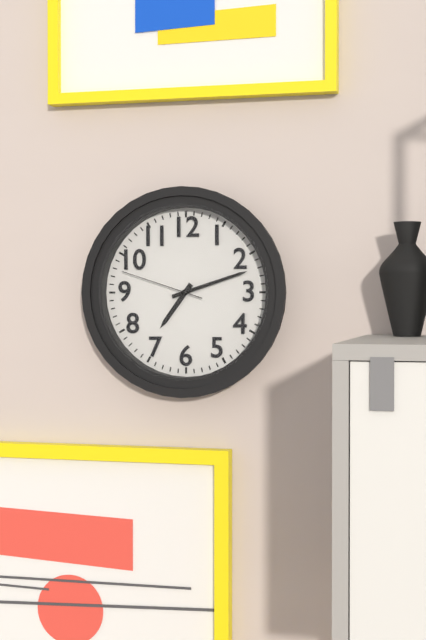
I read {"hour": 7, "minute": 12, "second": 48}
